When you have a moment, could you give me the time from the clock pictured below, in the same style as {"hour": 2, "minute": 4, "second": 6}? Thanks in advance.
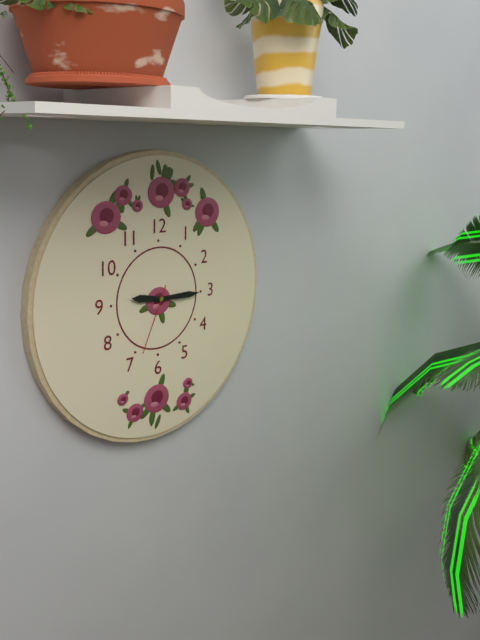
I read {"hour": 9, "minute": 15, "second": 34}
